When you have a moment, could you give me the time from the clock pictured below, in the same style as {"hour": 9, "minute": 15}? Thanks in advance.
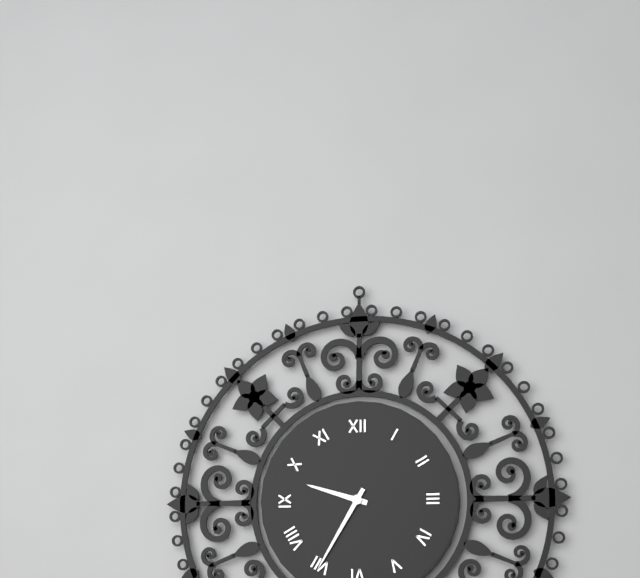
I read {"hour": 9, "minute": 35}
